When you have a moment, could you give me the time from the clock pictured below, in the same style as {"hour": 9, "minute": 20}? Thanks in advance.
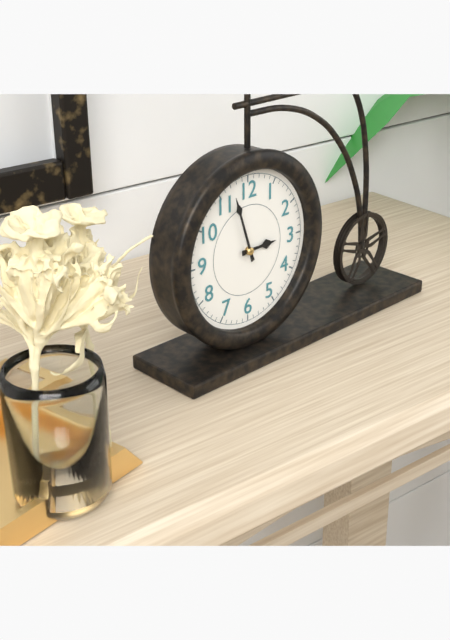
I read {"hour": 2, "minute": 57}
